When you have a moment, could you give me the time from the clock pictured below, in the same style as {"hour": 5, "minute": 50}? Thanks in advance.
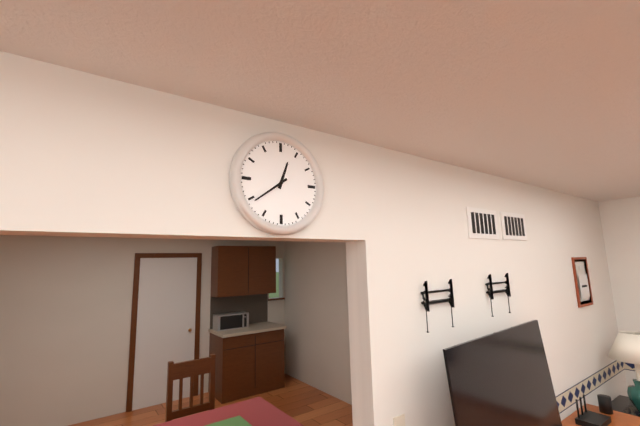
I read {"hour": 12, "minute": 39}
